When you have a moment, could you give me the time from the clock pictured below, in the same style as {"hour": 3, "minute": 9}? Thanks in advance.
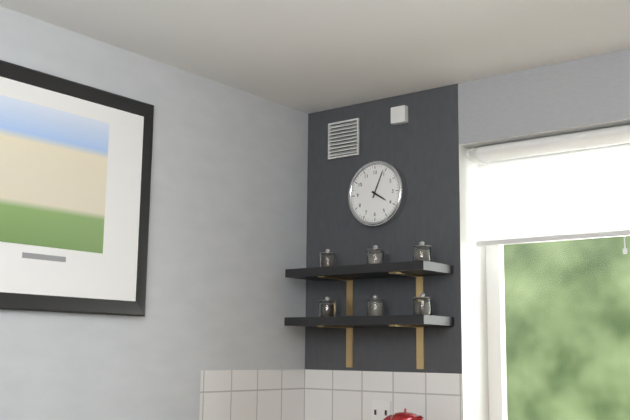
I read {"hour": 4, "minute": 4}
